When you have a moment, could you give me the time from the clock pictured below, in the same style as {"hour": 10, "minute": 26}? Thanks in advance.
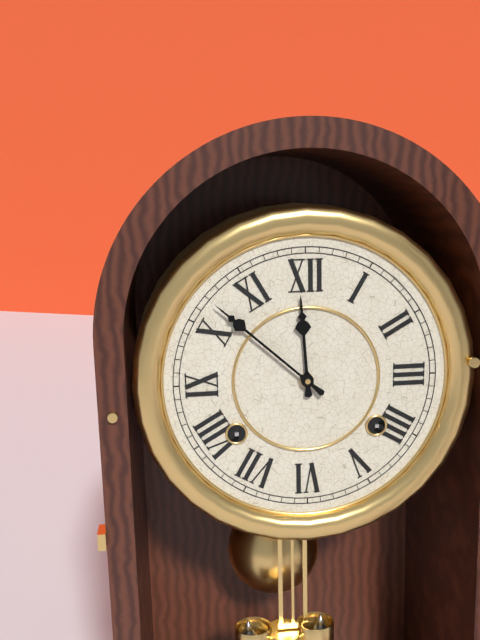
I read {"hour": 11, "minute": 52}
